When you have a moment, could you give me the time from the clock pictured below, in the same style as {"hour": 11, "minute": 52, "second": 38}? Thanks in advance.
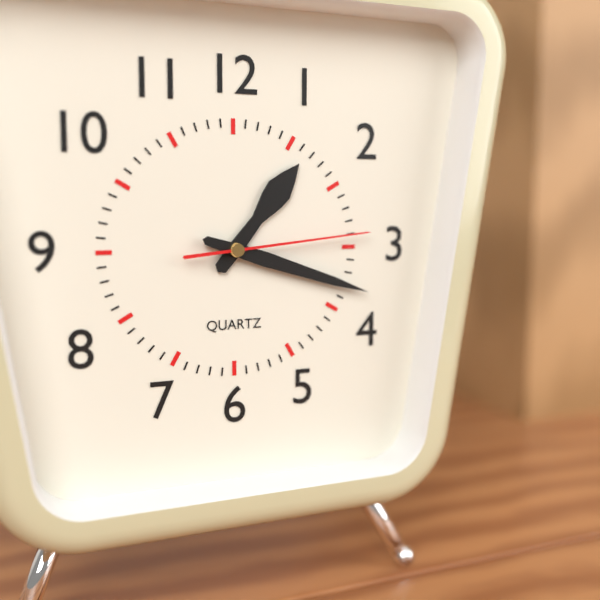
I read {"hour": 1, "minute": 18, "second": 14}
